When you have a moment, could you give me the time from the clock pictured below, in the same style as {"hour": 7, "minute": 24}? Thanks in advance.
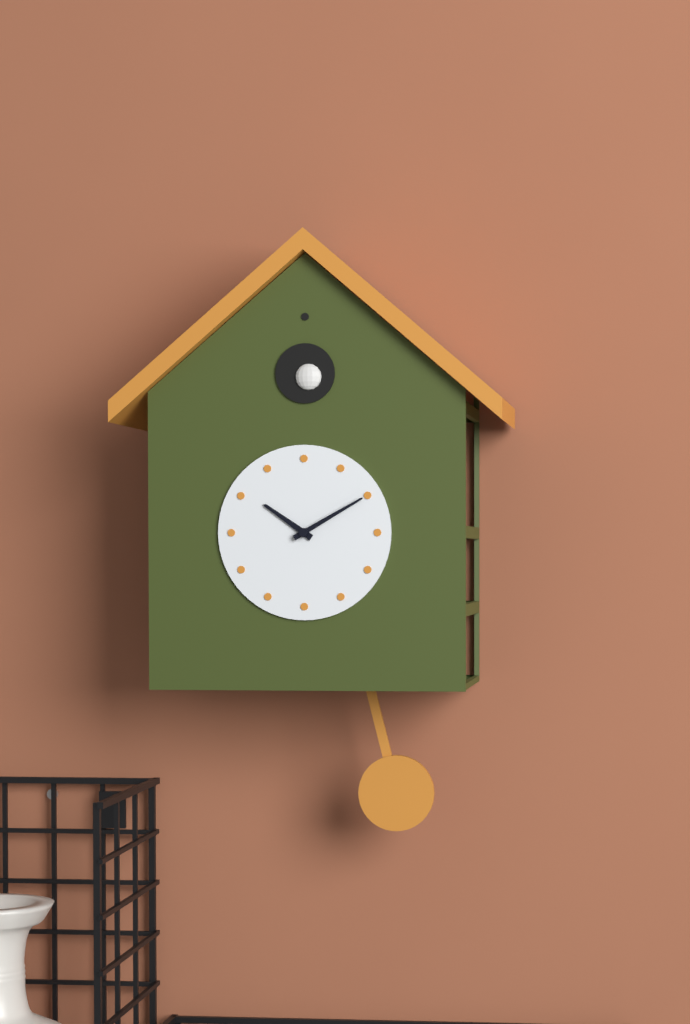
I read {"hour": 10, "minute": 10}
